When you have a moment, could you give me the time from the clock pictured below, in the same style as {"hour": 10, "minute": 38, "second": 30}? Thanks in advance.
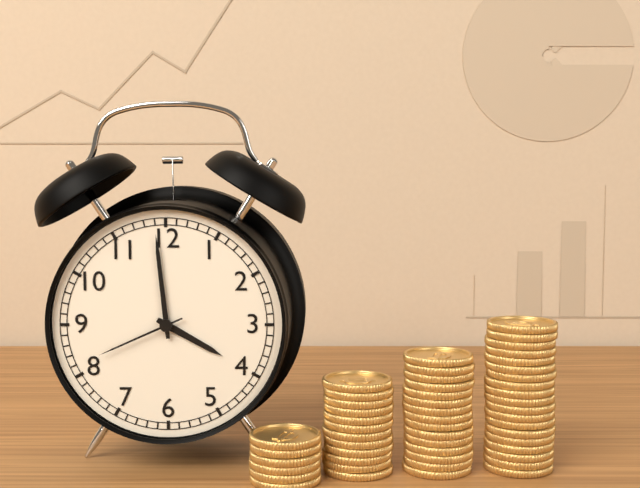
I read {"hour": 3, "minute": 59, "second": 41}
